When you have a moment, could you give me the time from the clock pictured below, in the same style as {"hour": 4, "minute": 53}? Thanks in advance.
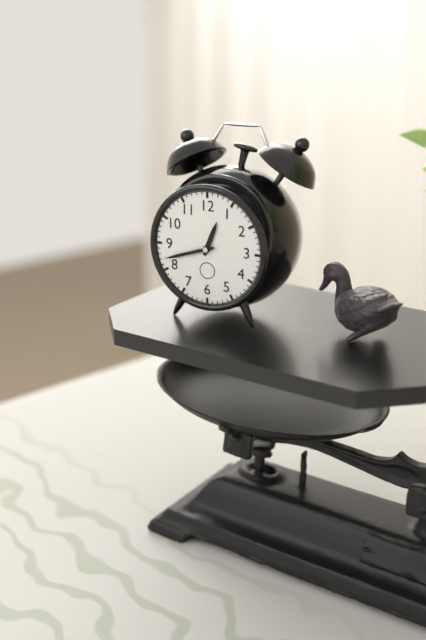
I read {"hour": 12, "minute": 42}
